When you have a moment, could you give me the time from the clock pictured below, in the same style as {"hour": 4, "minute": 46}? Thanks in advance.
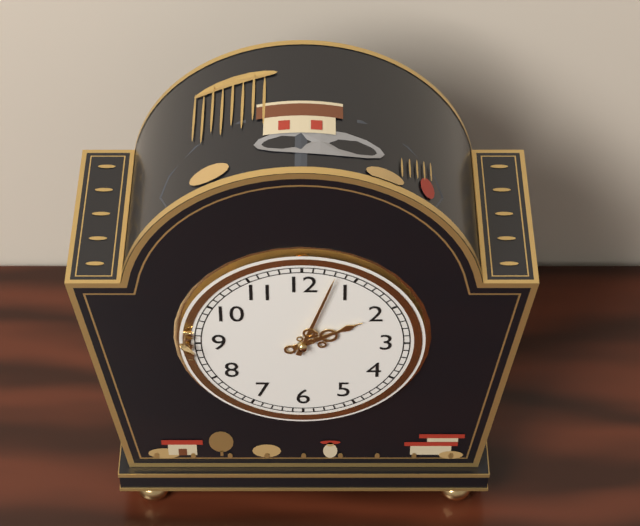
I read {"hour": 2, "minute": 3}
